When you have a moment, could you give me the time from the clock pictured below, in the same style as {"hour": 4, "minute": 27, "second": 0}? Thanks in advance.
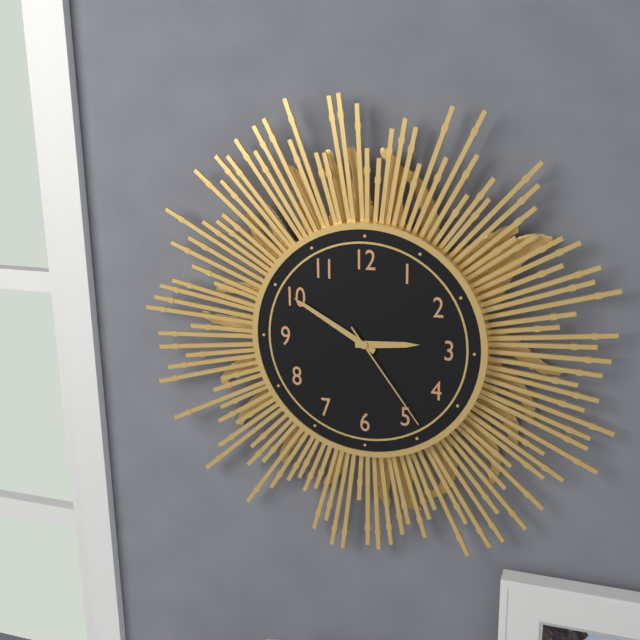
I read {"hour": 2, "minute": 50, "second": 24}
